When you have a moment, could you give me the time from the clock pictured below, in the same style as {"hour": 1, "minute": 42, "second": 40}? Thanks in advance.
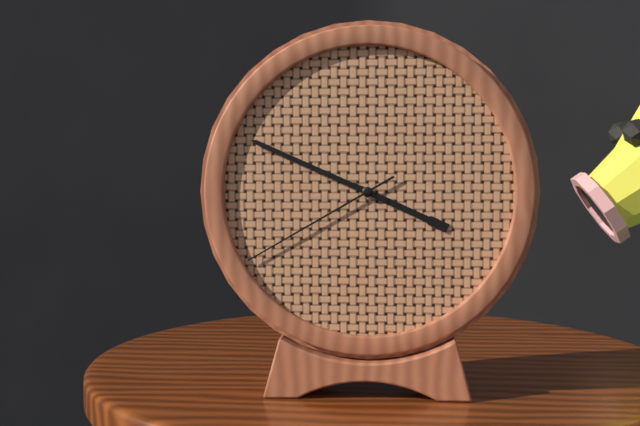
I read {"hour": 3, "minute": 49, "second": 40}
